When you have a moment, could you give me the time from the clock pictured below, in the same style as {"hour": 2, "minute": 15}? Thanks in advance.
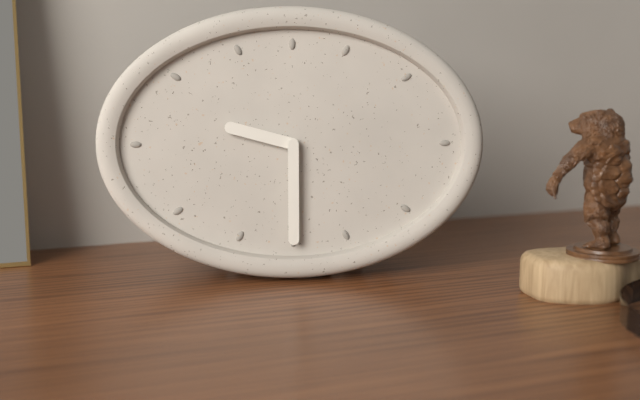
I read {"hour": 9, "minute": 30}
